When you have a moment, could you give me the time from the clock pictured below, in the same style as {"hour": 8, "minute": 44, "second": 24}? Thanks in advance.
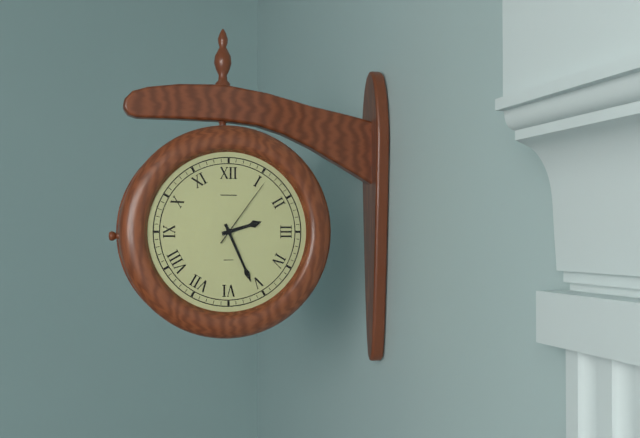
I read {"hour": 2, "minute": 26, "second": 6}
